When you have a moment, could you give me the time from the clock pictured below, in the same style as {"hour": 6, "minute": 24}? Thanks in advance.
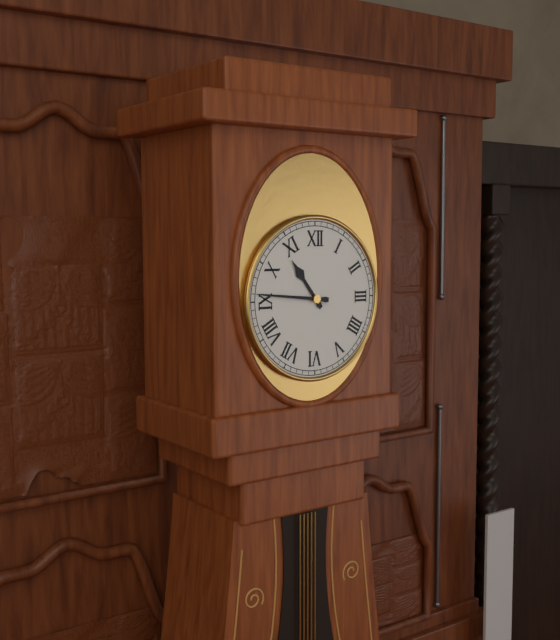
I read {"hour": 10, "minute": 46}
